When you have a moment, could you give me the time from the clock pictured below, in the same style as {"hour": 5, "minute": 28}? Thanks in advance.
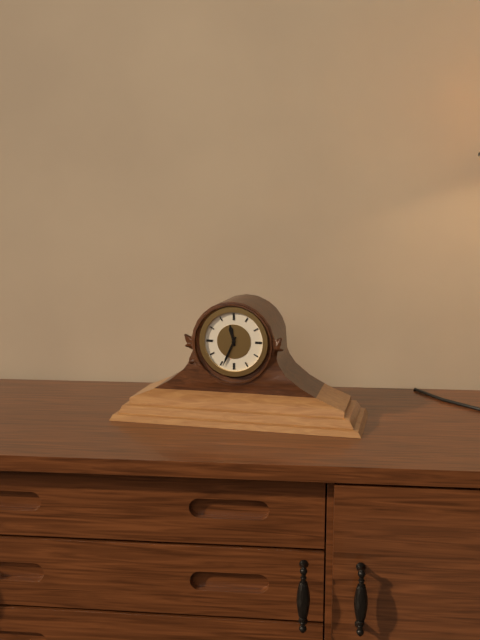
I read {"hour": 11, "minute": 34}
